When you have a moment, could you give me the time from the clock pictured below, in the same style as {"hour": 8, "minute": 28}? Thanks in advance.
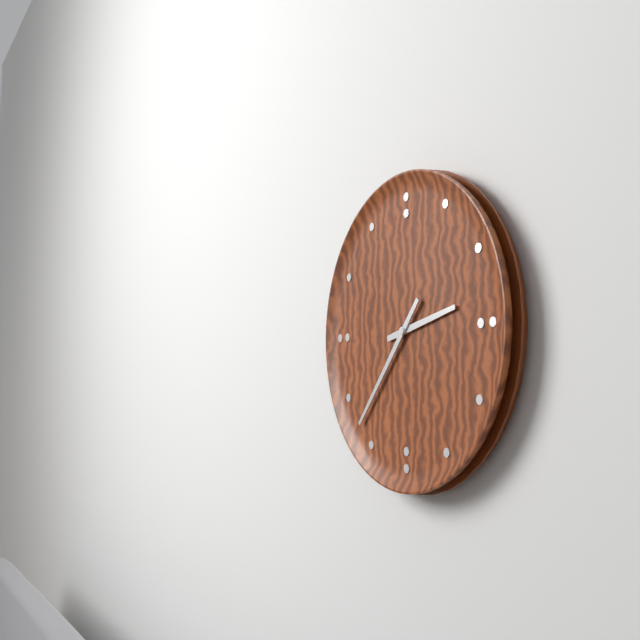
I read {"hour": 2, "minute": 37}
